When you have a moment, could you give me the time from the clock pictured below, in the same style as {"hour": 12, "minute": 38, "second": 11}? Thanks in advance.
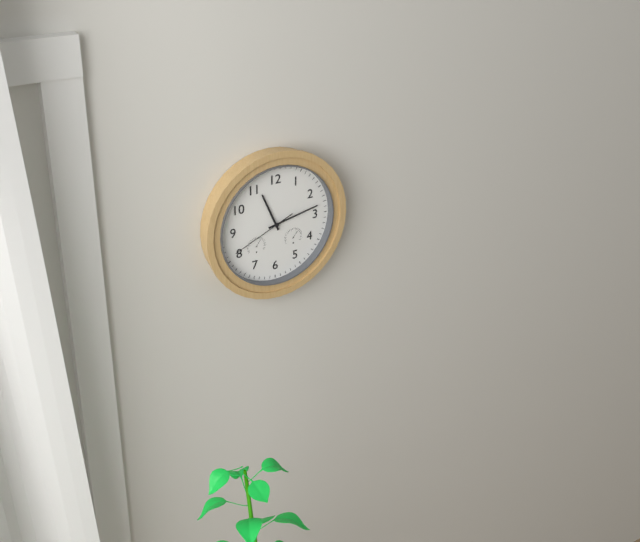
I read {"hour": 11, "minute": 13, "second": 41}
